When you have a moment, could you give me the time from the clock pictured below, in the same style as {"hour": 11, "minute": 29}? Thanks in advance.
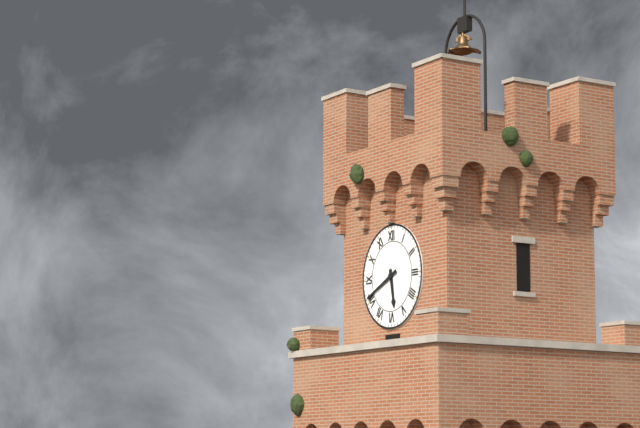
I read {"hour": 5, "minute": 41}
